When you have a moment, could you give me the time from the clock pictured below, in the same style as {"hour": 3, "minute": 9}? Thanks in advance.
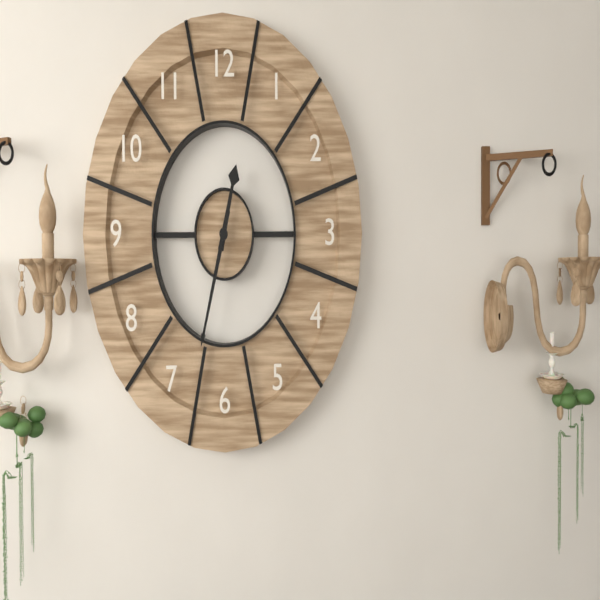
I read {"hour": 12, "minute": 33}
